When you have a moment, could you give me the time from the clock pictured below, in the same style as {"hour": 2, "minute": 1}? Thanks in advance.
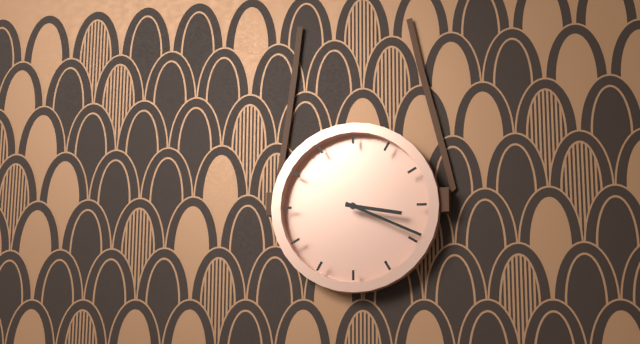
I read {"hour": 3, "minute": 19}
